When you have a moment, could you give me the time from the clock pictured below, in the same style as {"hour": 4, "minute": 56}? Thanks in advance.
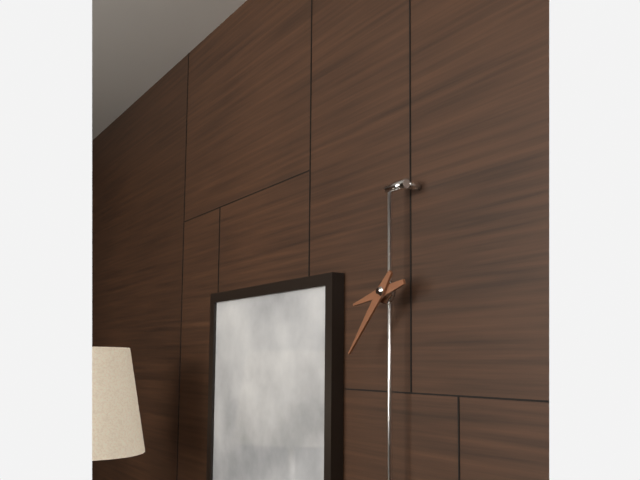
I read {"hour": 8, "minute": 37}
